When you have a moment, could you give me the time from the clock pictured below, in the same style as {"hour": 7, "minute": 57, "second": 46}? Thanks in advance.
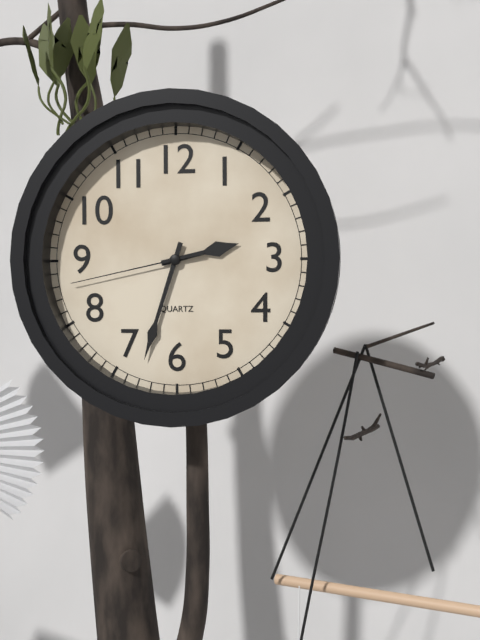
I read {"hour": 2, "minute": 33, "second": 43}
